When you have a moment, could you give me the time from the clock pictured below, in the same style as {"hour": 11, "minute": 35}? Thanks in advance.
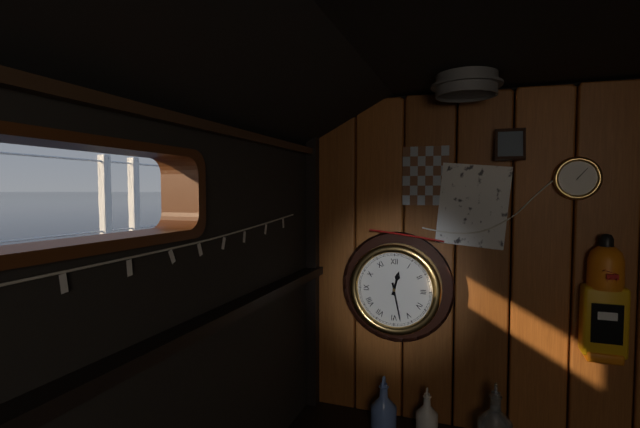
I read {"hour": 12, "minute": 28}
